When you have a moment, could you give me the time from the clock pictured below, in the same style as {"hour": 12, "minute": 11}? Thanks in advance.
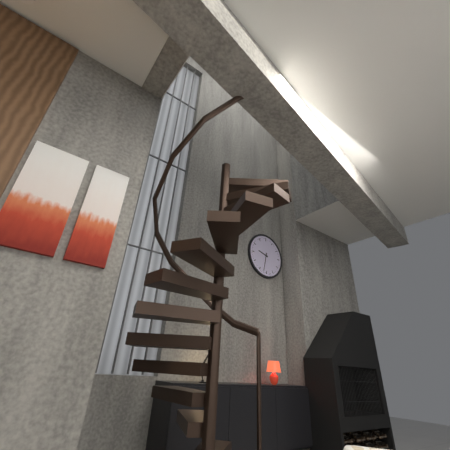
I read {"hour": 9, "minute": 32}
